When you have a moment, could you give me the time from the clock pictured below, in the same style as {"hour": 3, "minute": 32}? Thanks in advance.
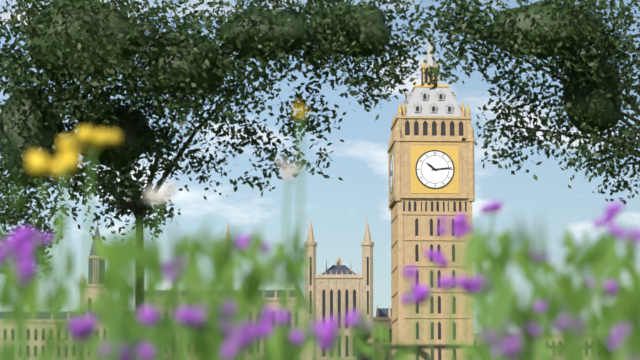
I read {"hour": 10, "minute": 14}
